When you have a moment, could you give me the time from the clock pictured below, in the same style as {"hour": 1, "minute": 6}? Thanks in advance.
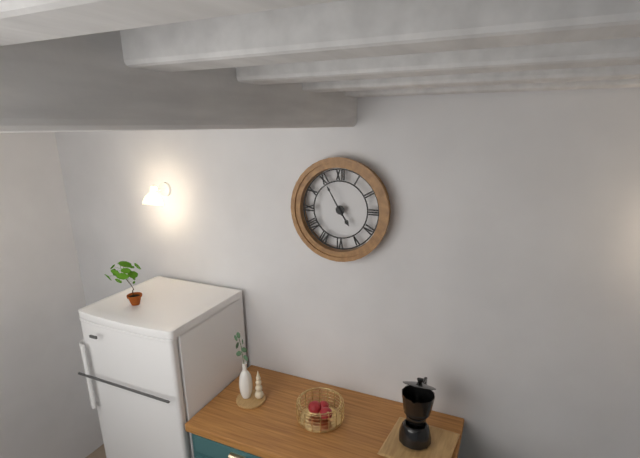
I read {"hour": 4, "minute": 55}
